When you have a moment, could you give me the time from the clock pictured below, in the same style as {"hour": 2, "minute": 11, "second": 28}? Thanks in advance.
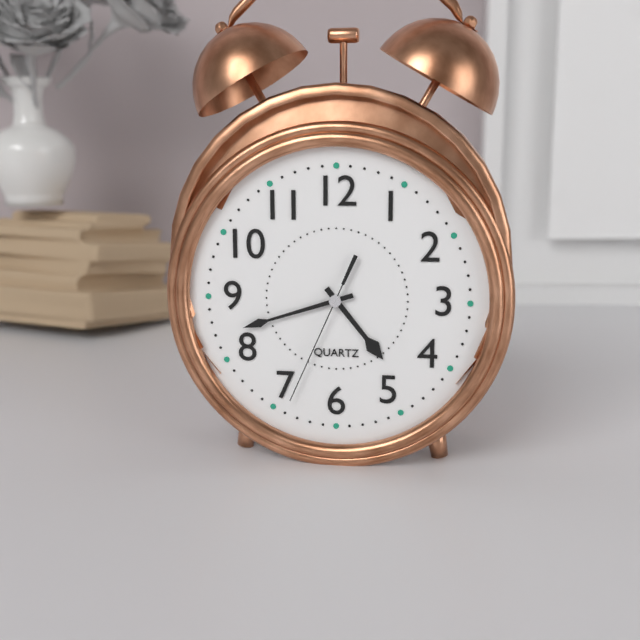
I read {"hour": 4, "minute": 42, "second": 34}
